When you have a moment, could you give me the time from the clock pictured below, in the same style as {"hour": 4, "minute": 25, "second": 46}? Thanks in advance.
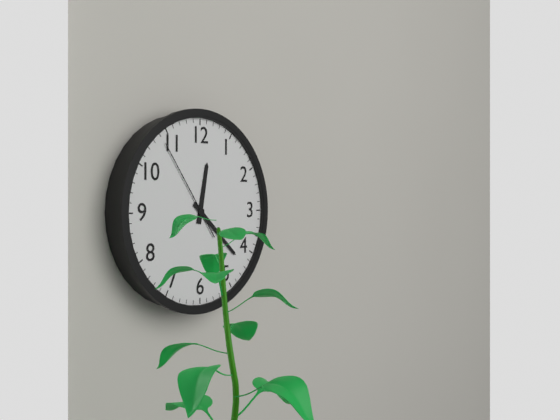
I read {"hour": 12, "minute": 22, "second": 54}
